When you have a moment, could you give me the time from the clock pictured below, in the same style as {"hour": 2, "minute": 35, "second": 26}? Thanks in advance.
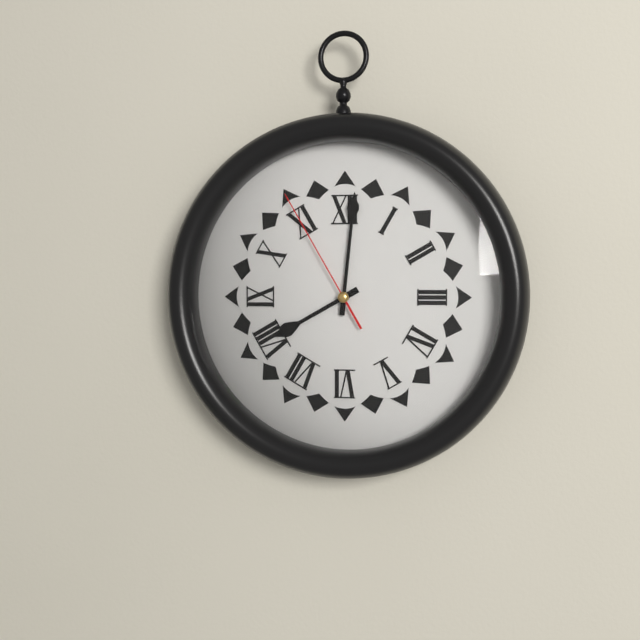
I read {"hour": 8, "minute": 1, "second": 55}
